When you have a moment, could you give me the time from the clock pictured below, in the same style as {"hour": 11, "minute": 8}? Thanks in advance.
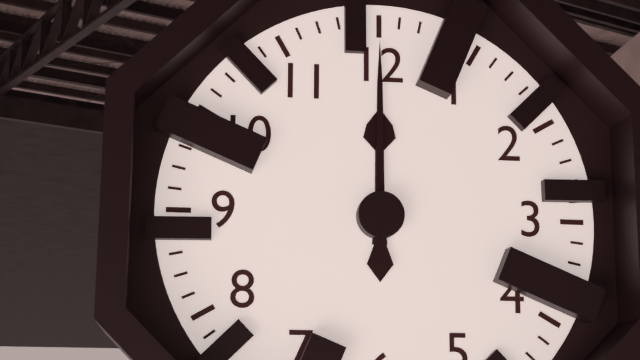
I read {"hour": 12, "minute": 0}
